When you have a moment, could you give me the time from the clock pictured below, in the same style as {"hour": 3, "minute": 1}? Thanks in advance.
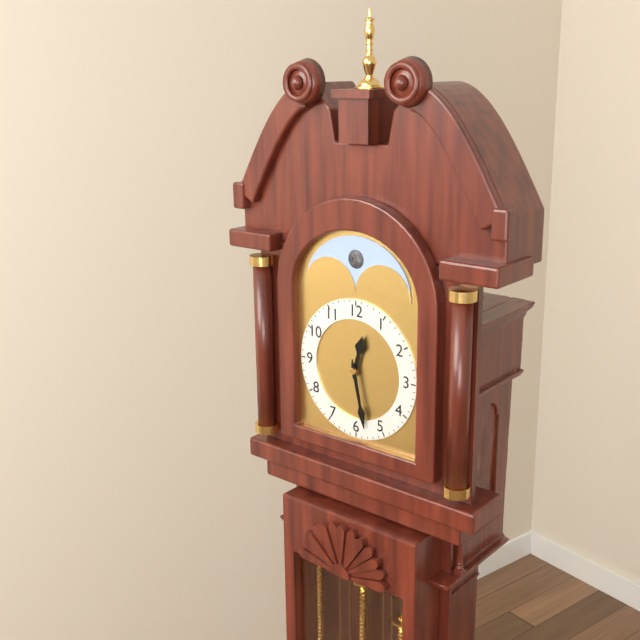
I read {"hour": 12, "minute": 28}
